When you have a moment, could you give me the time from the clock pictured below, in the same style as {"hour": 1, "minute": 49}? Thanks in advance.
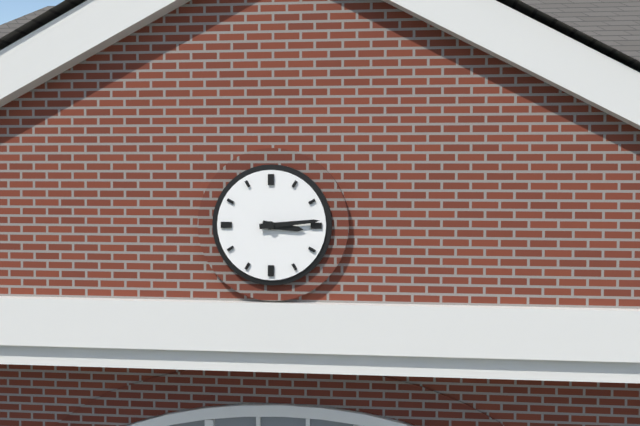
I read {"hour": 3, "minute": 14}
